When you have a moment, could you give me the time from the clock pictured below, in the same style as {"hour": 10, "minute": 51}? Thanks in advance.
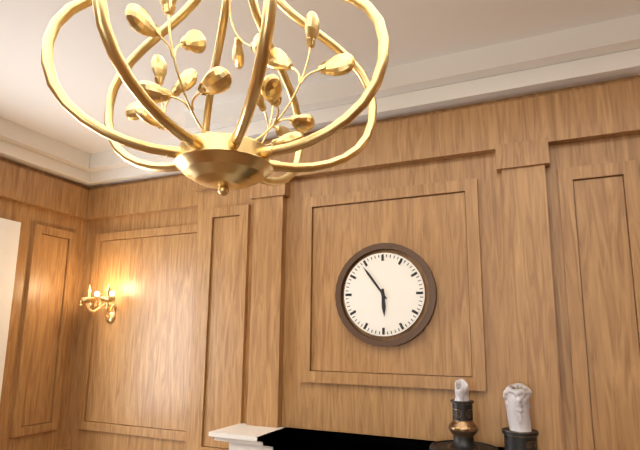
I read {"hour": 5, "minute": 54}
